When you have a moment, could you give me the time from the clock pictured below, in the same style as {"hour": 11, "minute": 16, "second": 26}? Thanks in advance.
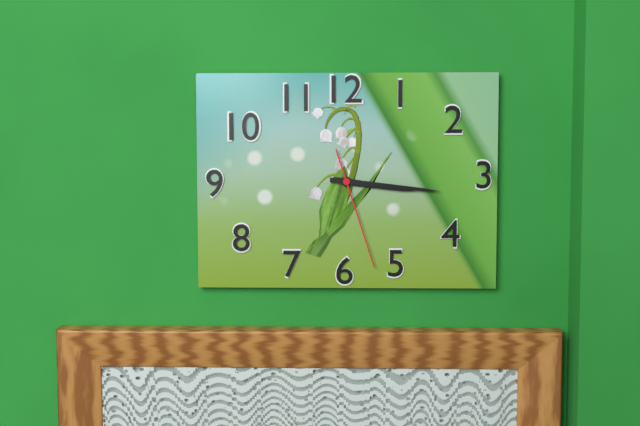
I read {"hour": 3, "minute": 16, "second": 27}
